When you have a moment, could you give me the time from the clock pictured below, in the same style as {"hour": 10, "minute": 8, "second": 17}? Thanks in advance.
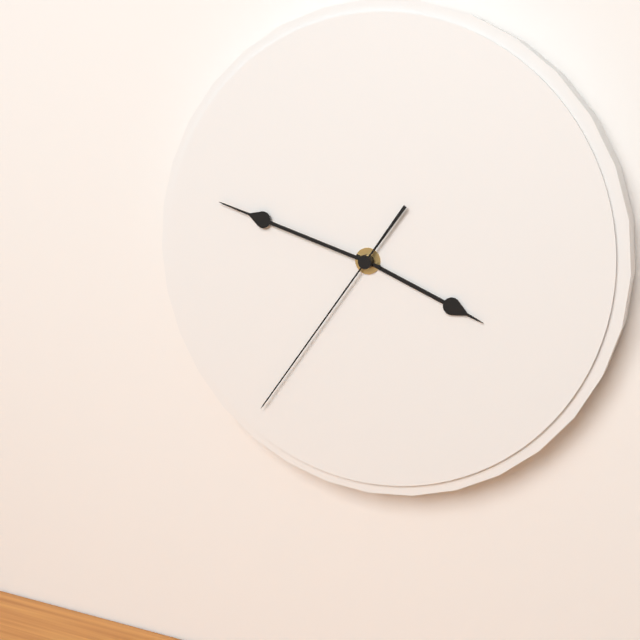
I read {"hour": 3, "minute": 48, "second": 36}
